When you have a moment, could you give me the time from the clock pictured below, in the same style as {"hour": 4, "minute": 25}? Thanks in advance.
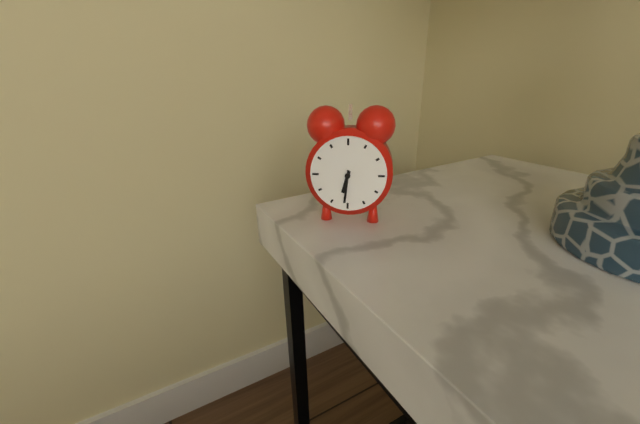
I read {"hour": 6, "minute": 31}
